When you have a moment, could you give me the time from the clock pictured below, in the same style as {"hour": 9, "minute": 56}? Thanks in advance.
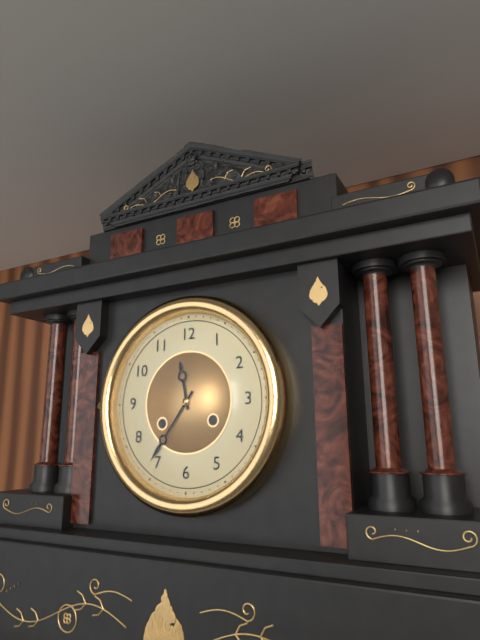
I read {"hour": 11, "minute": 36}
